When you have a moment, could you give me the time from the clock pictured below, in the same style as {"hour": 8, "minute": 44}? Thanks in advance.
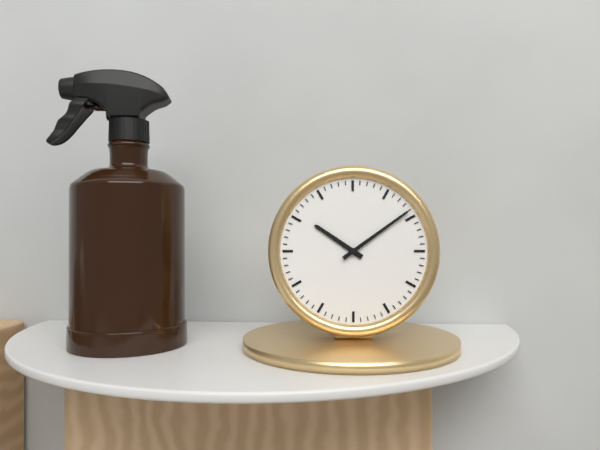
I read {"hour": 10, "minute": 9}
